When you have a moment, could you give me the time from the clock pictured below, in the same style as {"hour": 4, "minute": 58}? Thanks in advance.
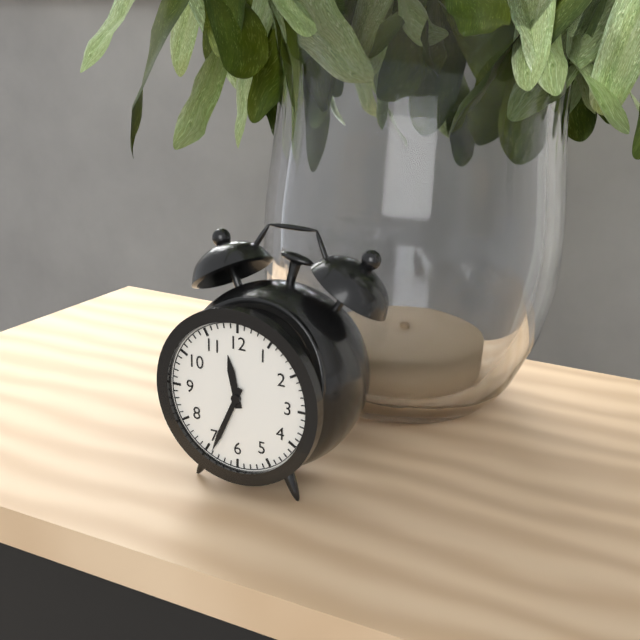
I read {"hour": 11, "minute": 34}
